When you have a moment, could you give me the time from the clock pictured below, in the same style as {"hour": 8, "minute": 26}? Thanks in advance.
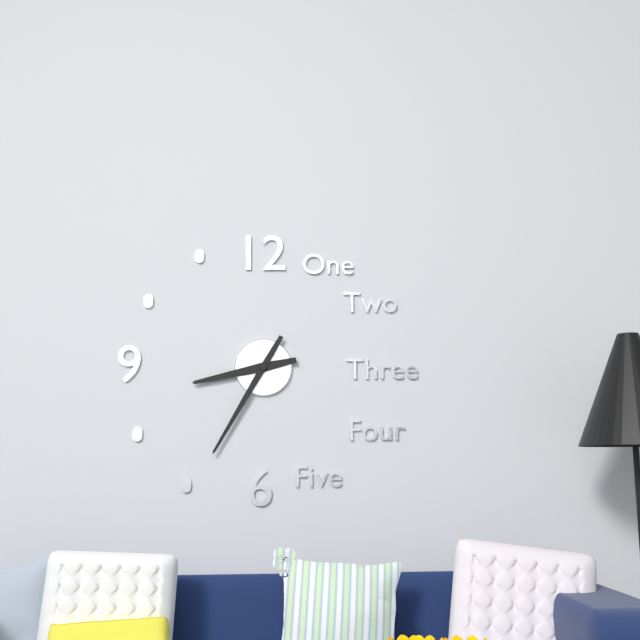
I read {"hour": 8, "minute": 35}
